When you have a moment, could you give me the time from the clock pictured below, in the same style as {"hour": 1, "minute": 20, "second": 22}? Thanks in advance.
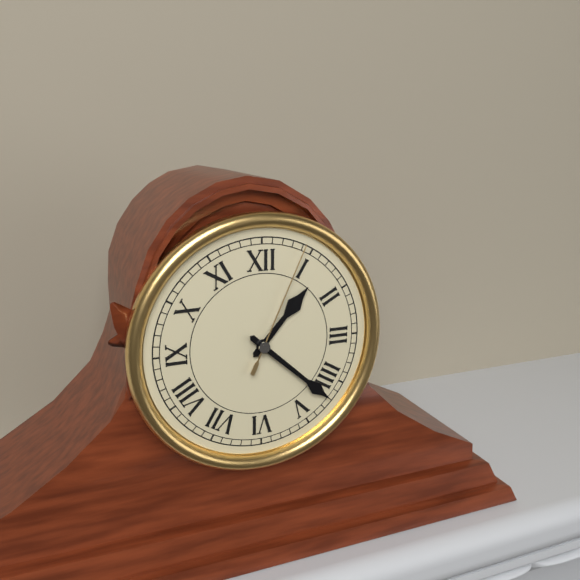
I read {"hour": 1, "minute": 22, "second": 4}
